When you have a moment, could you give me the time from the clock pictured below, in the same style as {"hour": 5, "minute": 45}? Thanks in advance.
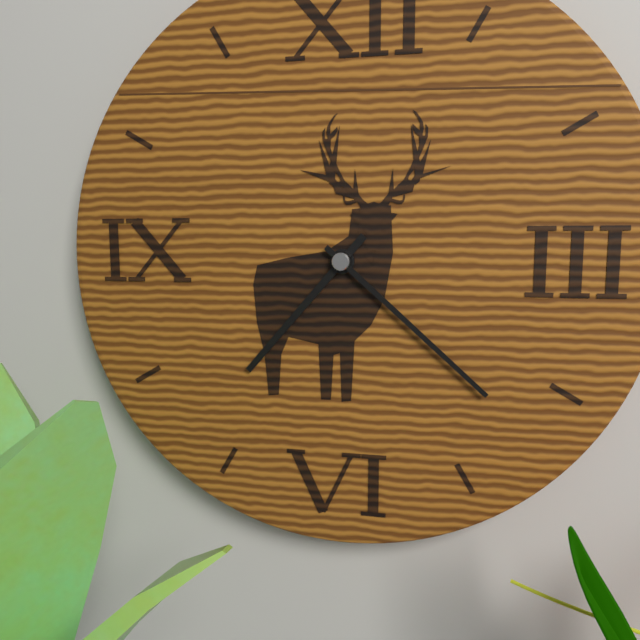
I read {"hour": 7, "minute": 22}
